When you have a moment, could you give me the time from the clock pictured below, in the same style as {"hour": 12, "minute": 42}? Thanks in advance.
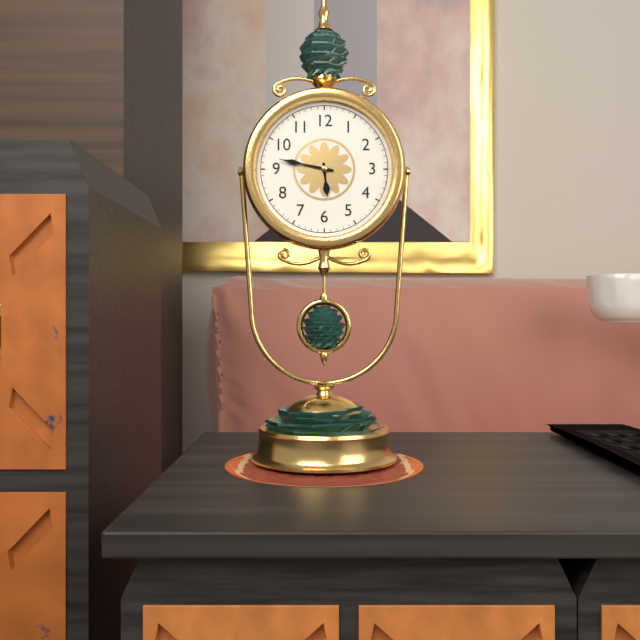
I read {"hour": 5, "minute": 47}
